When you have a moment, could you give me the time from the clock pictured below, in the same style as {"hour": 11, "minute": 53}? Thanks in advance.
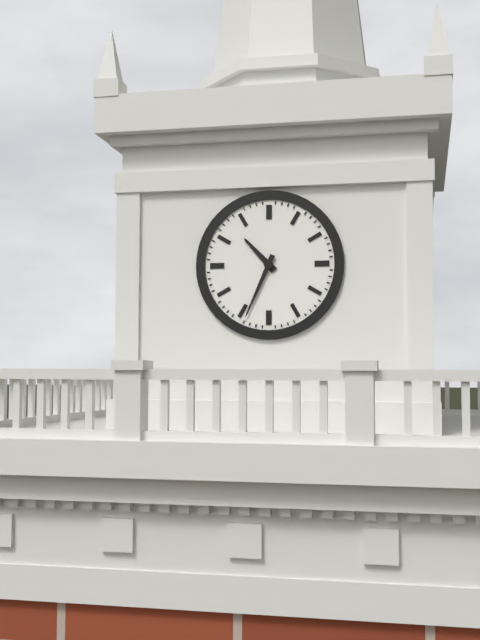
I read {"hour": 10, "minute": 34}
